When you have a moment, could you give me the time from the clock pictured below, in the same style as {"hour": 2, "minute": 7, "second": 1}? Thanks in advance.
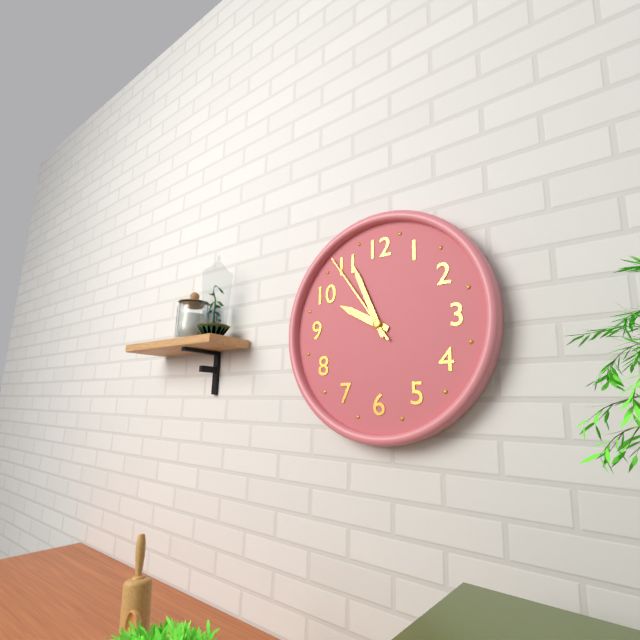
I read {"hour": 9, "minute": 56, "second": 54}
